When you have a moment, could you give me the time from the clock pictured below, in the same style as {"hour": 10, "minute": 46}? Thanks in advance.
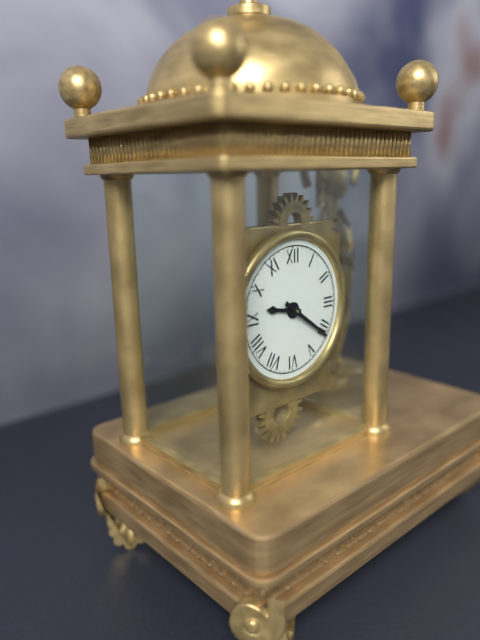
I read {"hour": 9, "minute": 21}
